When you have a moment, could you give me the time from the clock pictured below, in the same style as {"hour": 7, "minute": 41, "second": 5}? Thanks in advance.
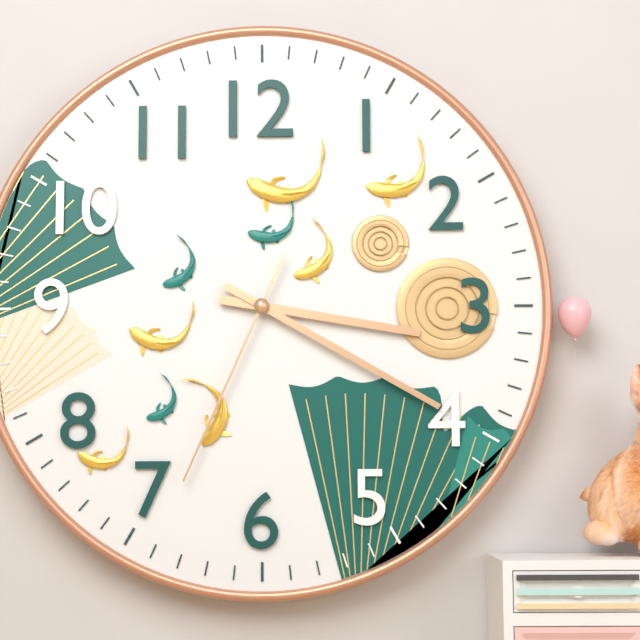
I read {"hour": 3, "minute": 20, "second": 34}
